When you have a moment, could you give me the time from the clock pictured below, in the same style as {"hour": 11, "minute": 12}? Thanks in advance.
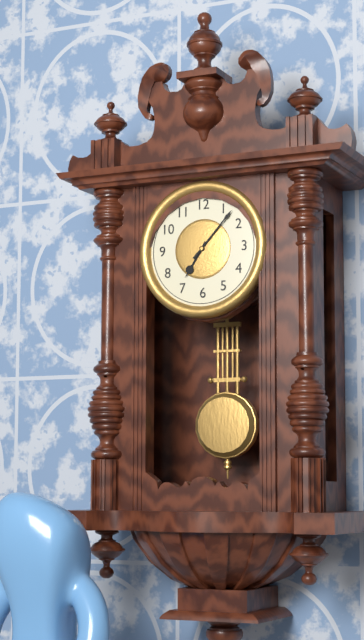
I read {"hour": 7, "minute": 7}
